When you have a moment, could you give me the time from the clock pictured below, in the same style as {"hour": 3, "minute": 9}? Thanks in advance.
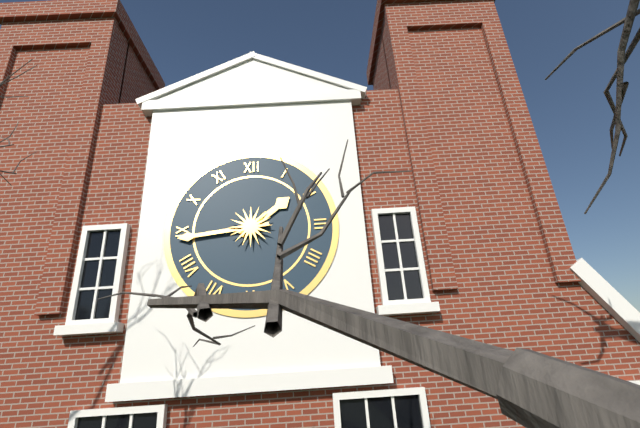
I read {"hour": 1, "minute": 44}
